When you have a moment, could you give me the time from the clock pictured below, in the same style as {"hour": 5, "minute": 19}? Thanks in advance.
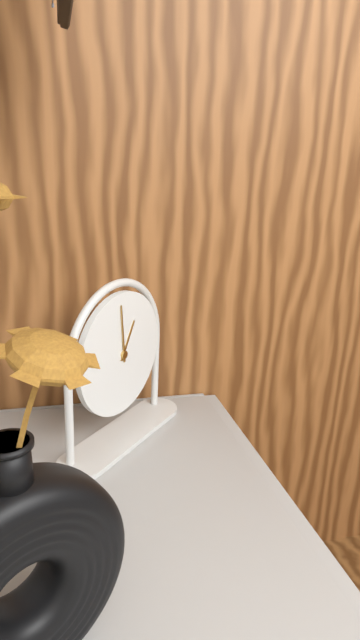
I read {"hour": 12, "minute": 59}
